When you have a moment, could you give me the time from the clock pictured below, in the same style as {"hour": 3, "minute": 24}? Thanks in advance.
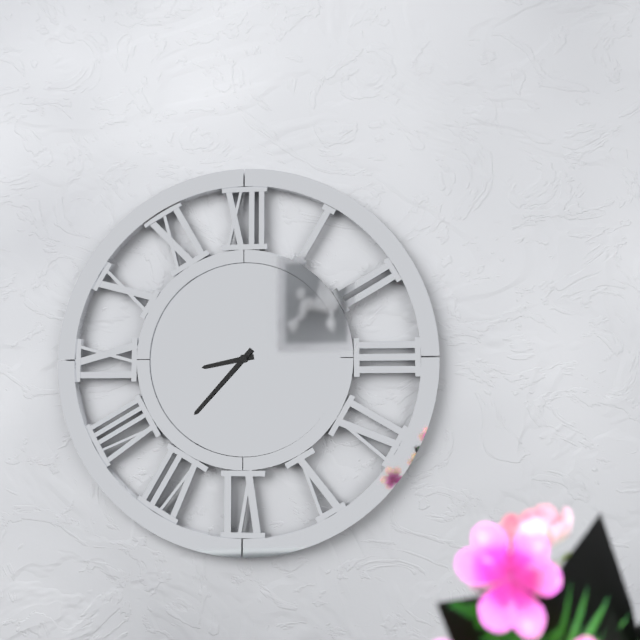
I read {"hour": 8, "minute": 37}
